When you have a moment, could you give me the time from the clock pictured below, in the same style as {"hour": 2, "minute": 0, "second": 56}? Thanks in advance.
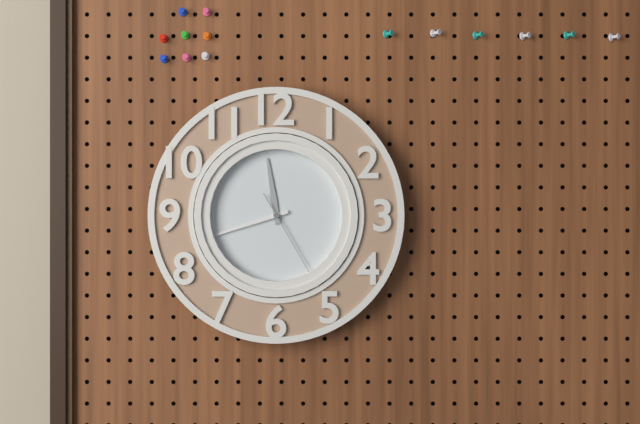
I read {"hour": 11, "minute": 42, "second": 25}
